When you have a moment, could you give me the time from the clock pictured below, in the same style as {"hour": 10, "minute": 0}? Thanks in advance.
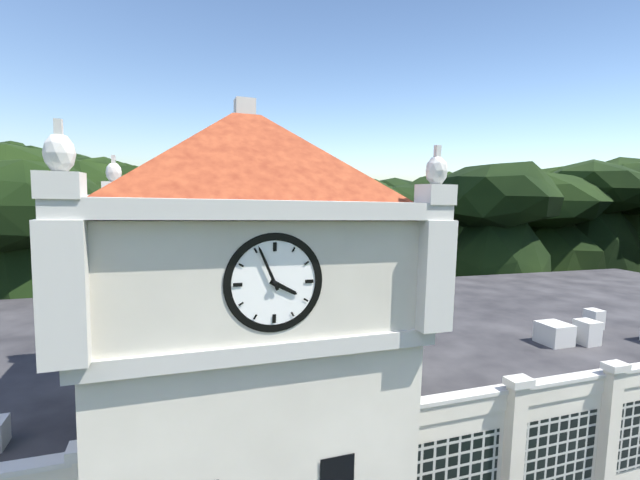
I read {"hour": 3, "minute": 56}
